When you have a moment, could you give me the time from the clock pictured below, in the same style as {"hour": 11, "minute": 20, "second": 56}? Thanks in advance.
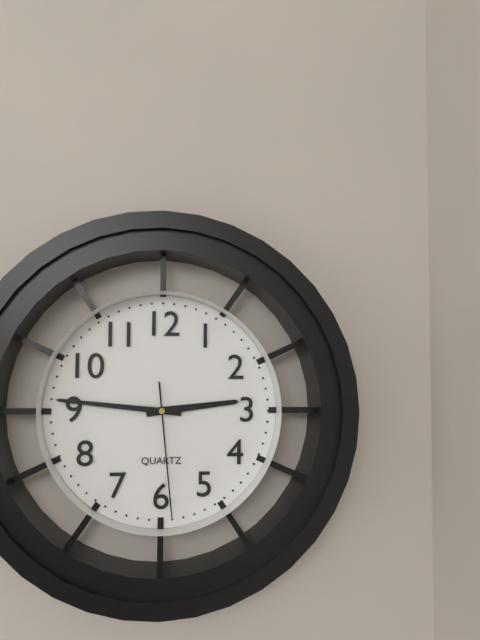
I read {"hour": 2, "minute": 46, "second": 29}
